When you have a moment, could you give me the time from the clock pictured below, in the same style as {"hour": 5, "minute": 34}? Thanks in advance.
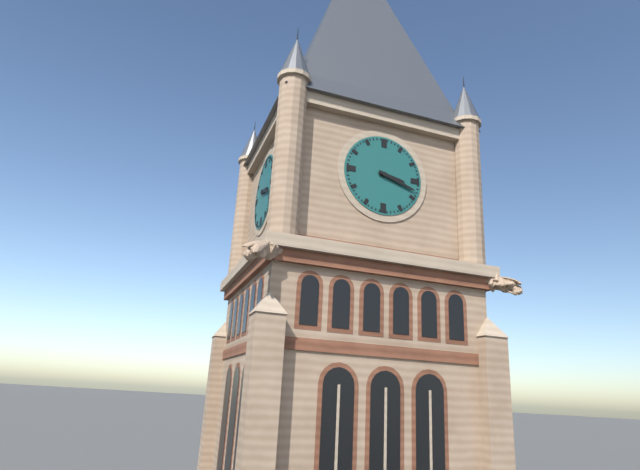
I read {"hour": 3, "minute": 18}
